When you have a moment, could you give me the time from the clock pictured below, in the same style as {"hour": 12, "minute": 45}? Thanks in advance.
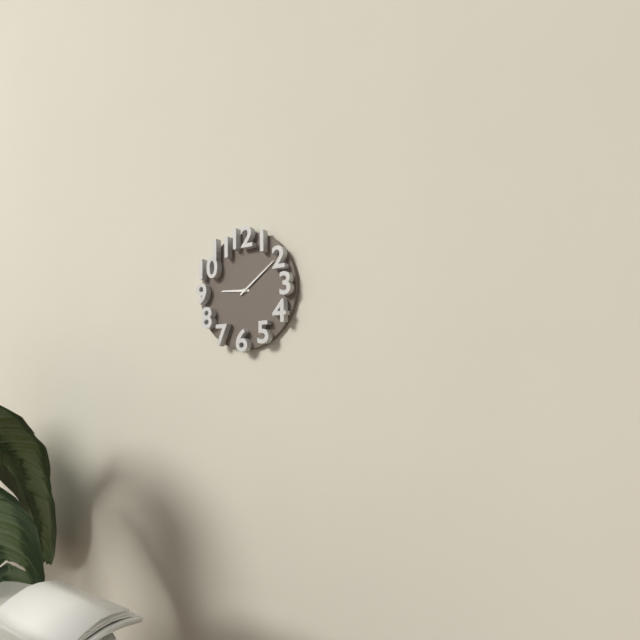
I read {"hour": 9, "minute": 9}
